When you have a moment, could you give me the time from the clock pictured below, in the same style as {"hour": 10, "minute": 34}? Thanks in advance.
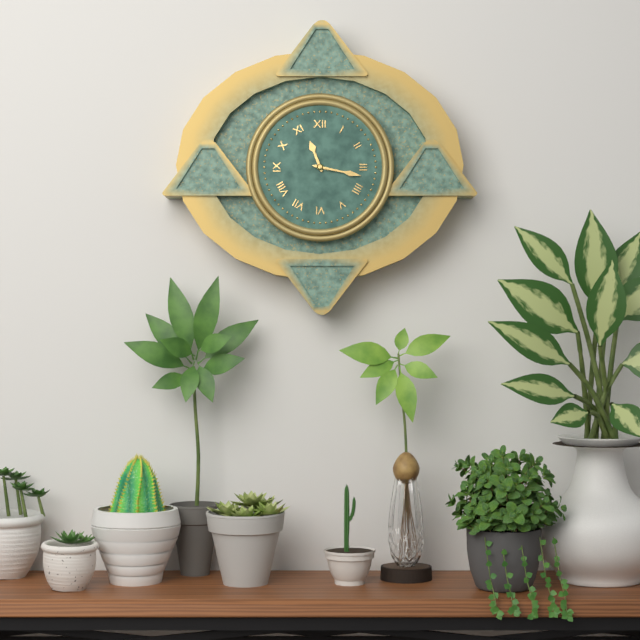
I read {"hour": 11, "minute": 17}
